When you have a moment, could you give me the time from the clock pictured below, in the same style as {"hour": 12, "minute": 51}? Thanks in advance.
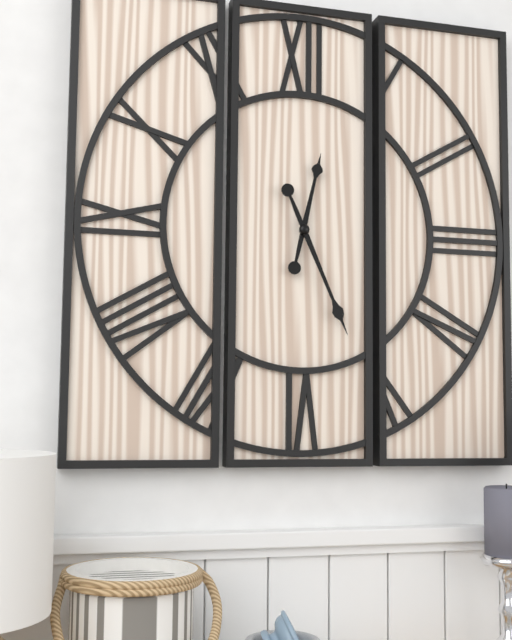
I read {"hour": 12, "minute": 26}
